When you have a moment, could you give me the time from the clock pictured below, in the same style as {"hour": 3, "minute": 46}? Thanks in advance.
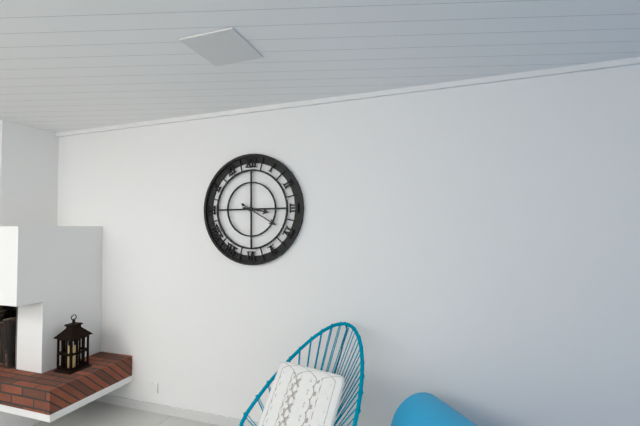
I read {"hour": 3, "minute": 20}
